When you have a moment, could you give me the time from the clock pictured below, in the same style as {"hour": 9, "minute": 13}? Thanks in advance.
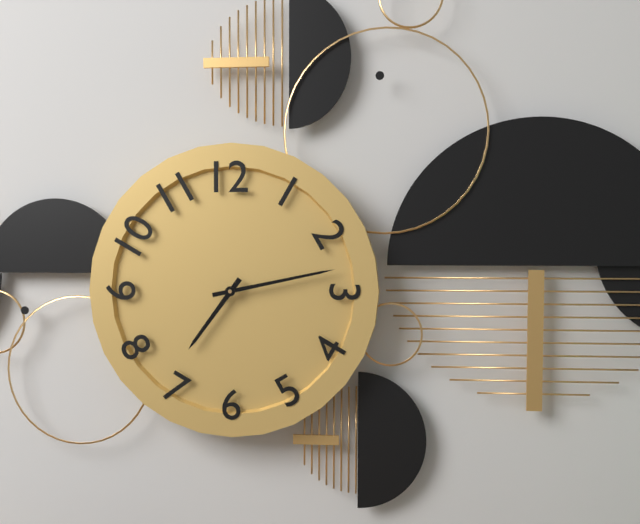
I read {"hour": 7, "minute": 13}
